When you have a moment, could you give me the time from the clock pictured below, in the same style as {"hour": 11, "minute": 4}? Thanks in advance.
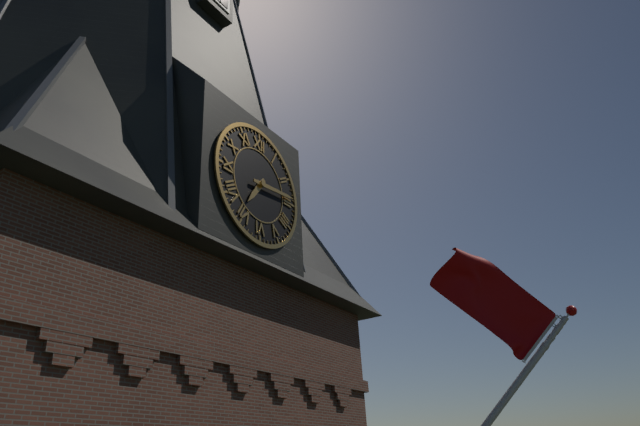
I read {"hour": 7, "minute": 14}
